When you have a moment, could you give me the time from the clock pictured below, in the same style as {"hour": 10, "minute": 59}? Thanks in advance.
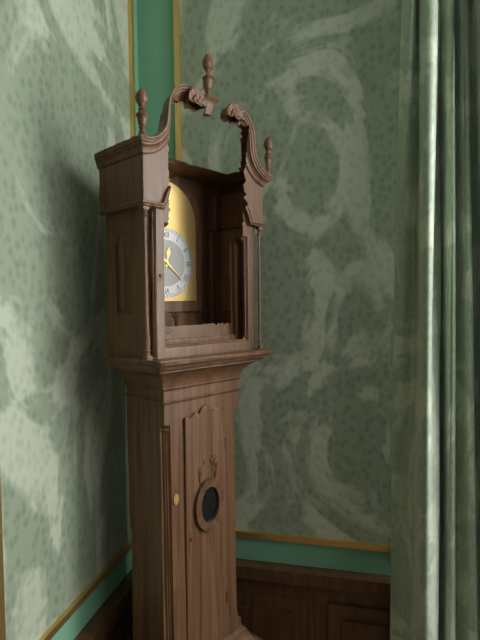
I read {"hour": 12, "minute": 22}
